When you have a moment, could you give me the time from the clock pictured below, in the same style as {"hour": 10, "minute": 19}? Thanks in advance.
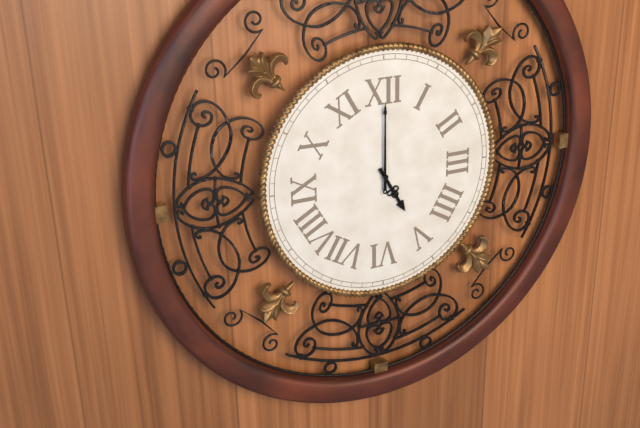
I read {"hour": 5, "minute": 0}
